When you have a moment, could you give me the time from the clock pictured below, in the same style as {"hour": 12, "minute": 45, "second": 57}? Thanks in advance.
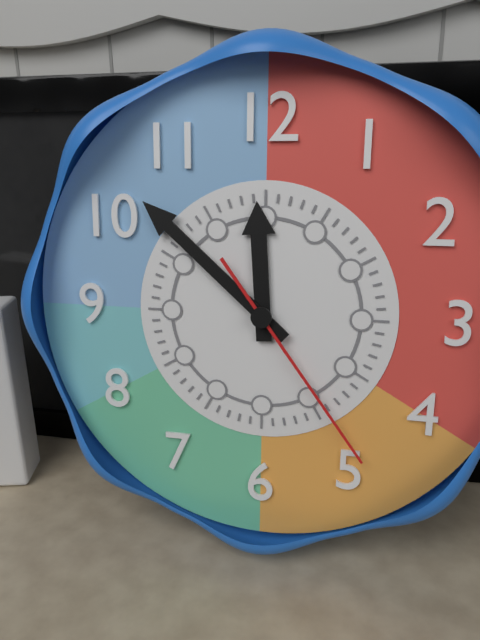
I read {"hour": 11, "minute": 52, "second": 24}
